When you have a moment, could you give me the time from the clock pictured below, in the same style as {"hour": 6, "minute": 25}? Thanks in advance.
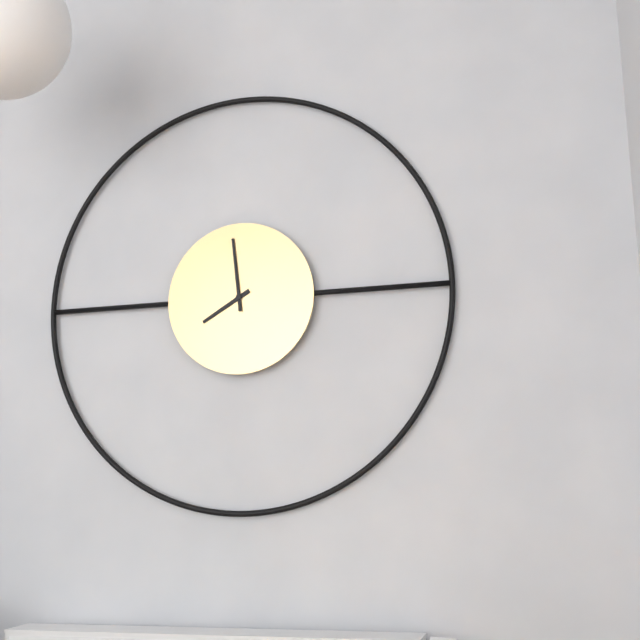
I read {"hour": 7, "minute": 59}
